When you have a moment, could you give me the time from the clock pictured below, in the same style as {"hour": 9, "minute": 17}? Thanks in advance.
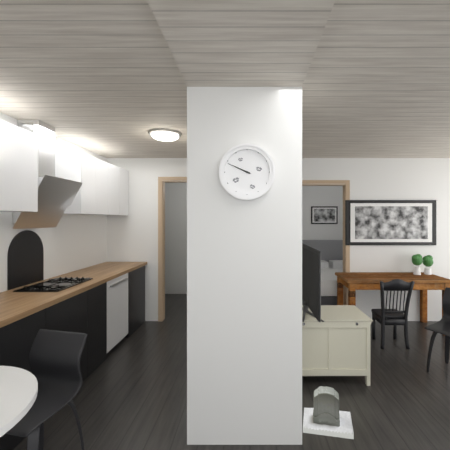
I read {"hour": 9, "minute": 49}
